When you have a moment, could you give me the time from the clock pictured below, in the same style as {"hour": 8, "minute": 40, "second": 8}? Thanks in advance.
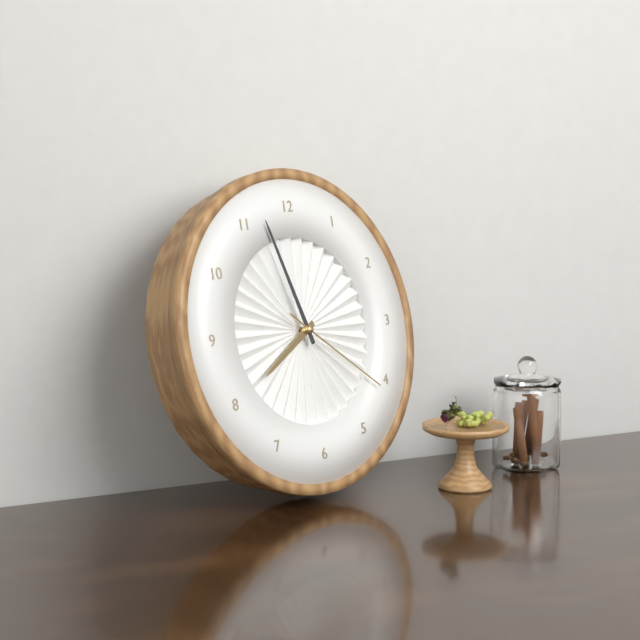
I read {"hour": 7, "minute": 57, "second": 21}
